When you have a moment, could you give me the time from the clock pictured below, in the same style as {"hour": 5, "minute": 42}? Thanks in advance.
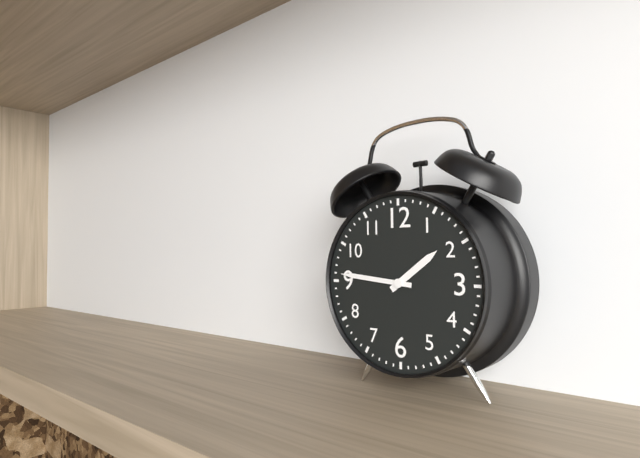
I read {"hour": 1, "minute": 46}
